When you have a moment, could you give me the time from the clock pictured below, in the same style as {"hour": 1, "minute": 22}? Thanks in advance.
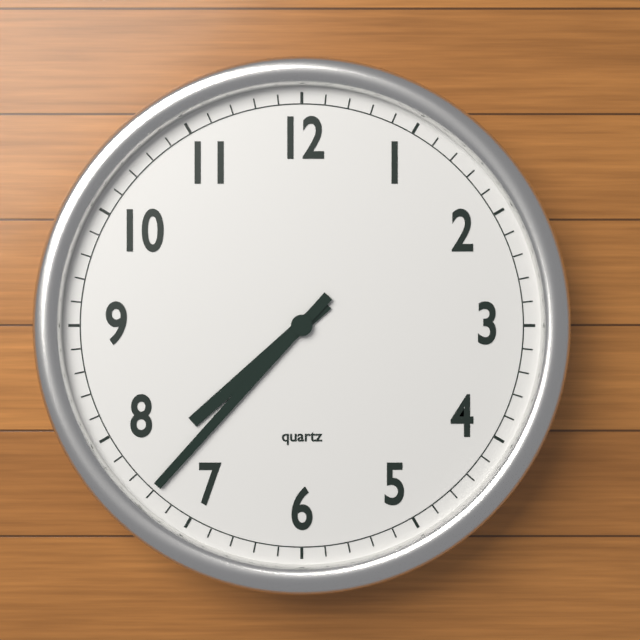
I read {"hour": 7, "minute": 37}
